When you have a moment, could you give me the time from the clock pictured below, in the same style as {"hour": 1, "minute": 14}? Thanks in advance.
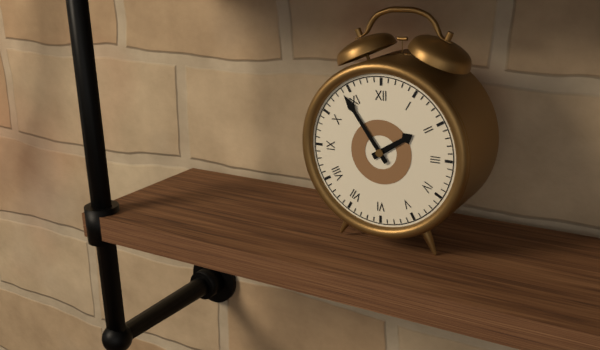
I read {"hour": 1, "minute": 54}
